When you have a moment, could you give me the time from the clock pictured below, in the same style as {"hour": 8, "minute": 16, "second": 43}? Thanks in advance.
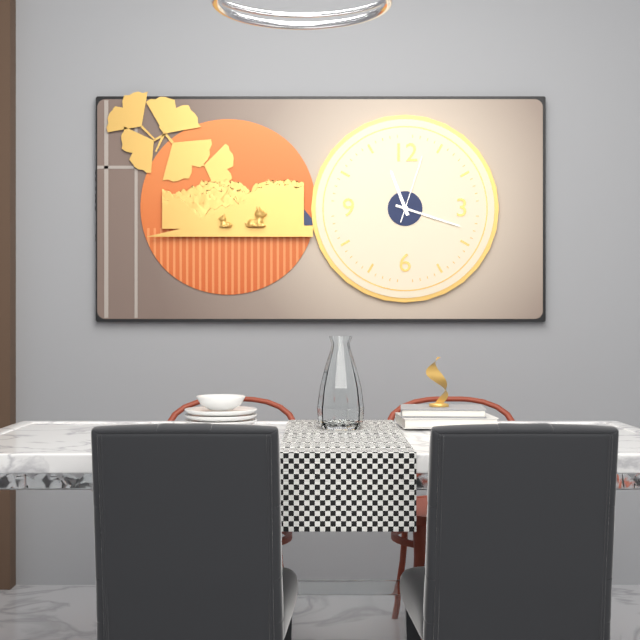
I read {"hour": 11, "minute": 18, "second": 3}
